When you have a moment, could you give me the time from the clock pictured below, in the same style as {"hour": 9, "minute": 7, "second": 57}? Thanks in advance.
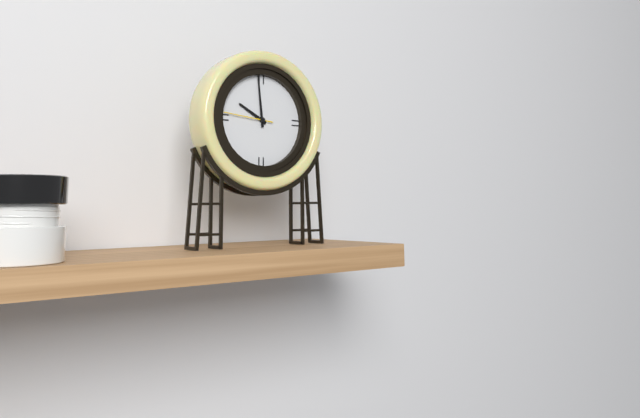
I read {"hour": 9, "minute": 59, "second": 46}
